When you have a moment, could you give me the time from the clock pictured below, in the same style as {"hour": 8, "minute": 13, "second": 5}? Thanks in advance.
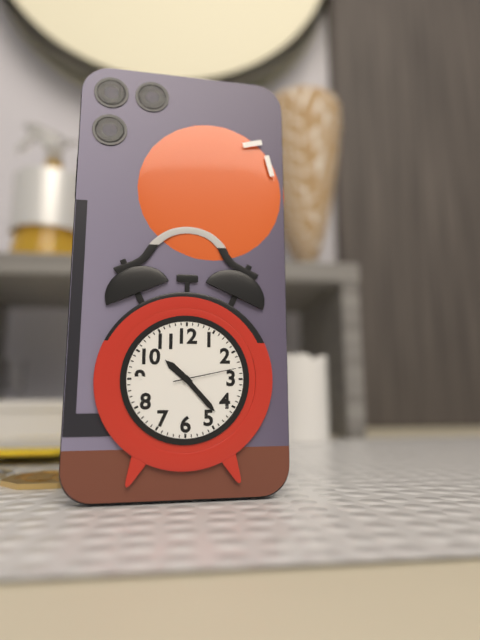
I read {"hour": 10, "minute": 23, "second": 13}
